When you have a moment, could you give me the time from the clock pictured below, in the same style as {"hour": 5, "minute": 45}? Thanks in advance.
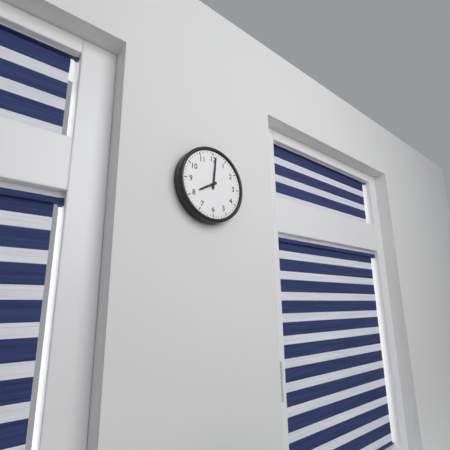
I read {"hour": 8, "minute": 1}
